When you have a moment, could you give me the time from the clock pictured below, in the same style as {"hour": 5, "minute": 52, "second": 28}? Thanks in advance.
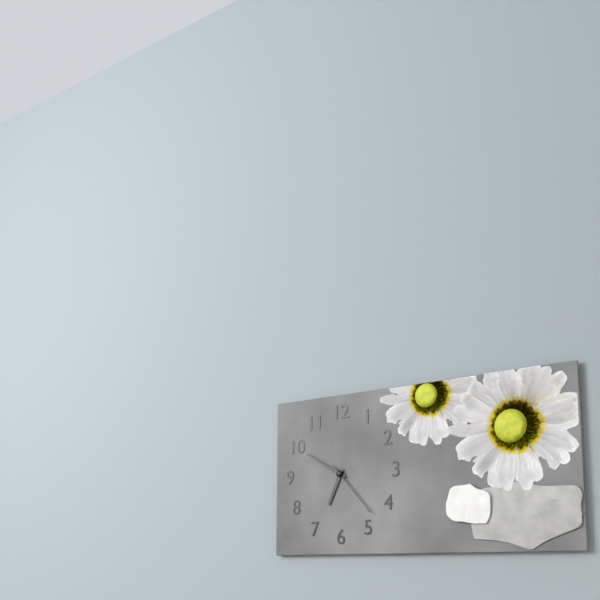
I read {"hour": 6, "minute": 50, "second": 23}
